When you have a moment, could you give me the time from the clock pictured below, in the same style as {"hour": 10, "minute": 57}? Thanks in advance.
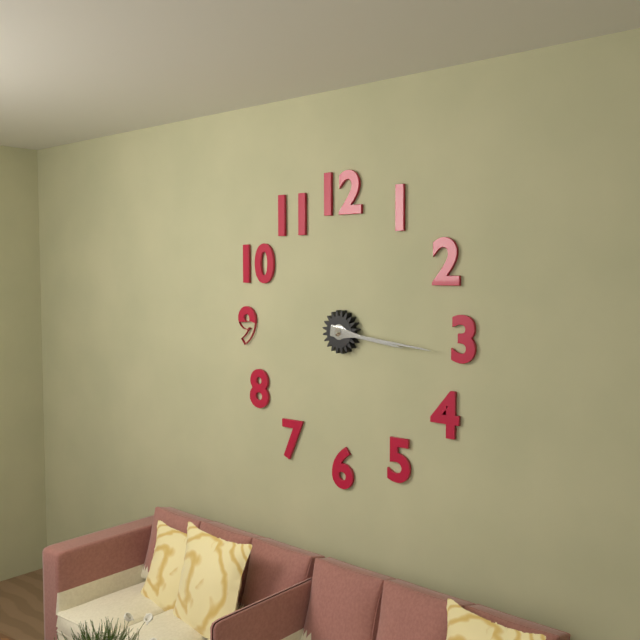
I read {"hour": 3, "minute": 16}
